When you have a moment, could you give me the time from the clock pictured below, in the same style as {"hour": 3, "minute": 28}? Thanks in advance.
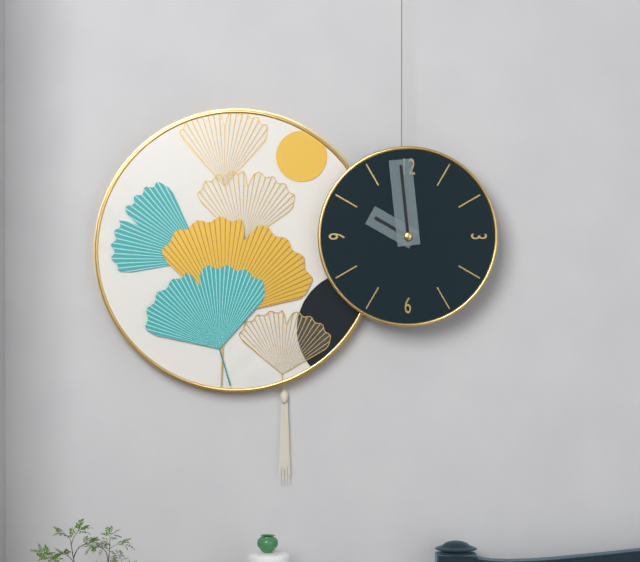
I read {"hour": 9, "minute": 59}
